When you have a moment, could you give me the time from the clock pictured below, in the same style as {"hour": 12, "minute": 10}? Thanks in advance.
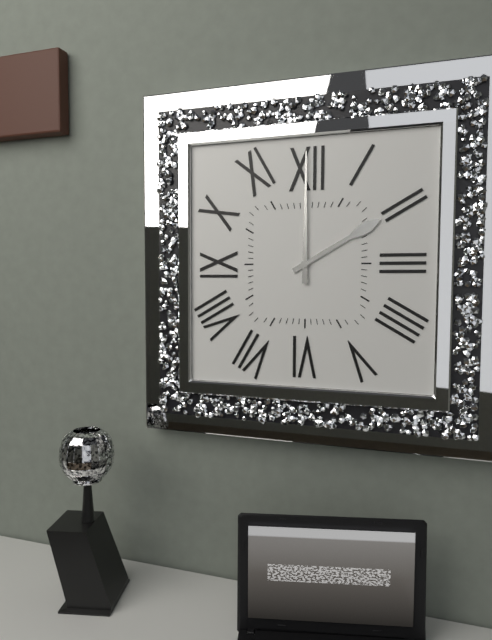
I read {"hour": 2, "minute": 0}
